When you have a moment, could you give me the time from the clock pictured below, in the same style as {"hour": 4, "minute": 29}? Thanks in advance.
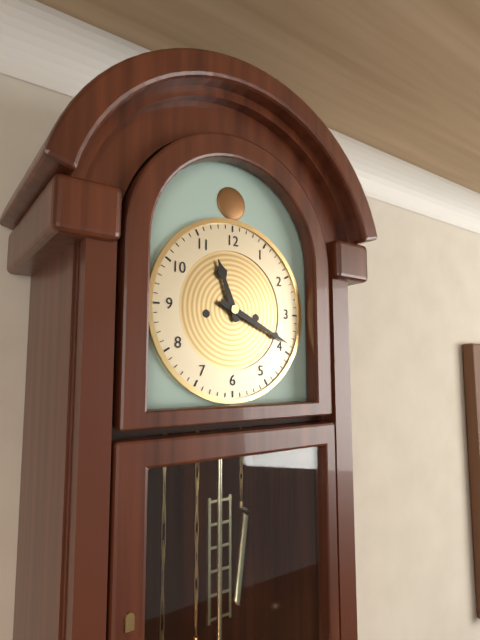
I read {"hour": 11, "minute": 19}
